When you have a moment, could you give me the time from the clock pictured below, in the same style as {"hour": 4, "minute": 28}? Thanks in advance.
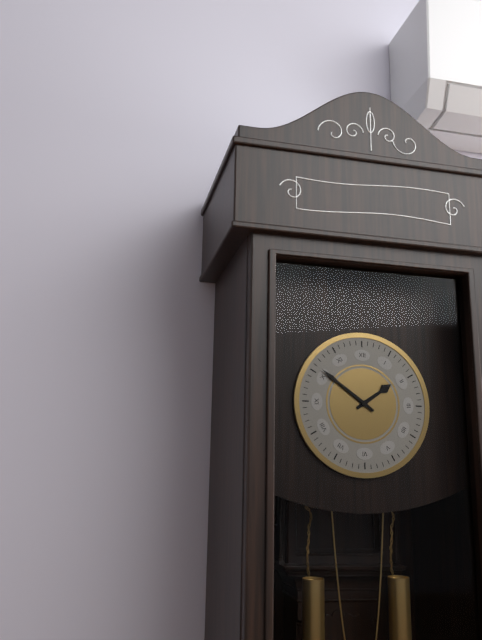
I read {"hour": 1, "minute": 51}
